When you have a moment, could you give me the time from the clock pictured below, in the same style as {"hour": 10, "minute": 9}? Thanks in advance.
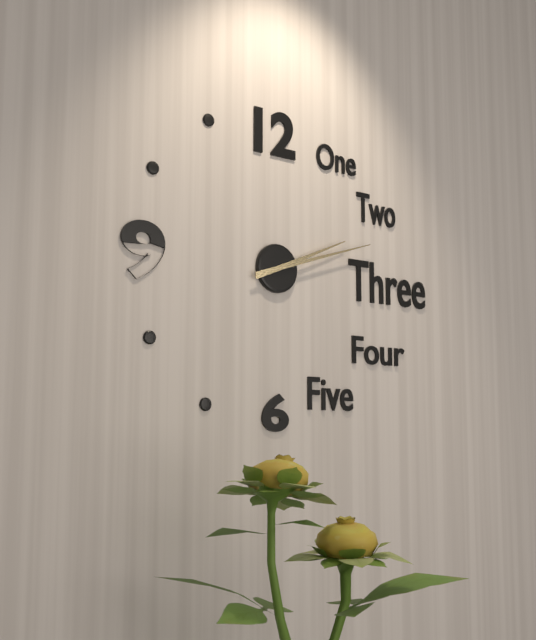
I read {"hour": 2, "minute": 12}
